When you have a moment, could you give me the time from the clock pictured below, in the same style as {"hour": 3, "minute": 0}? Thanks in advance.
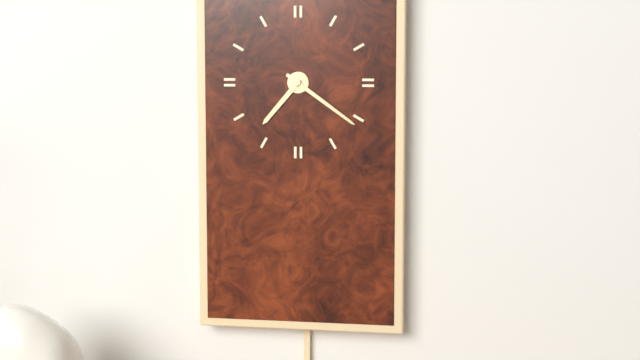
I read {"hour": 7, "minute": 21}
